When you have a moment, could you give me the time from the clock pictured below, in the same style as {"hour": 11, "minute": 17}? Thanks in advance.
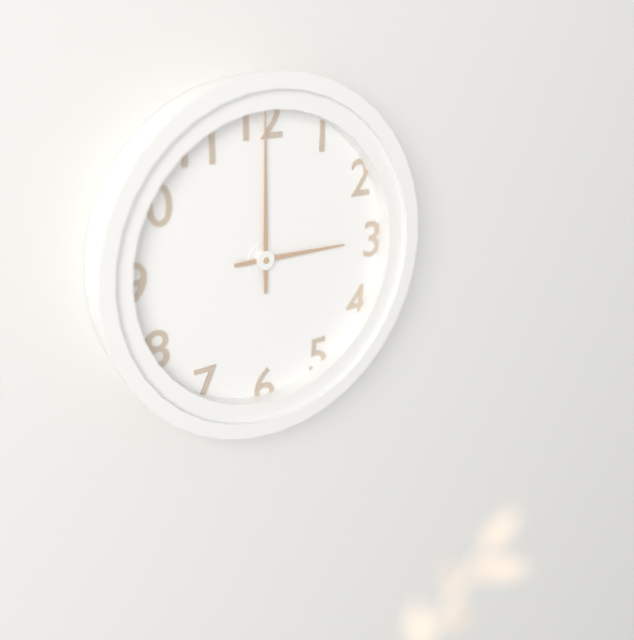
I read {"hour": 3, "minute": 0}
